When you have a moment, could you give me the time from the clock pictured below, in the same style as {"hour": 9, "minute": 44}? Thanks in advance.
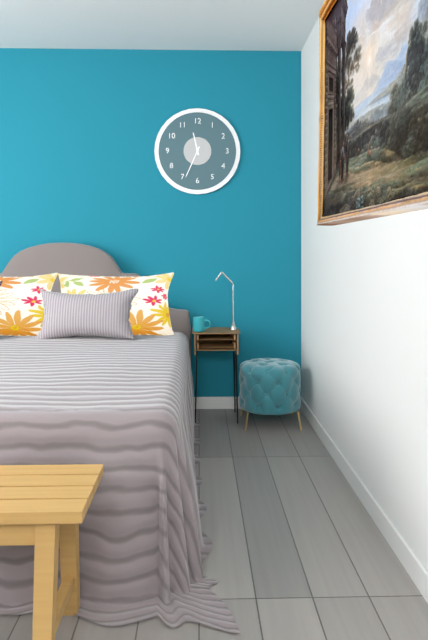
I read {"hour": 11, "minute": 34}
